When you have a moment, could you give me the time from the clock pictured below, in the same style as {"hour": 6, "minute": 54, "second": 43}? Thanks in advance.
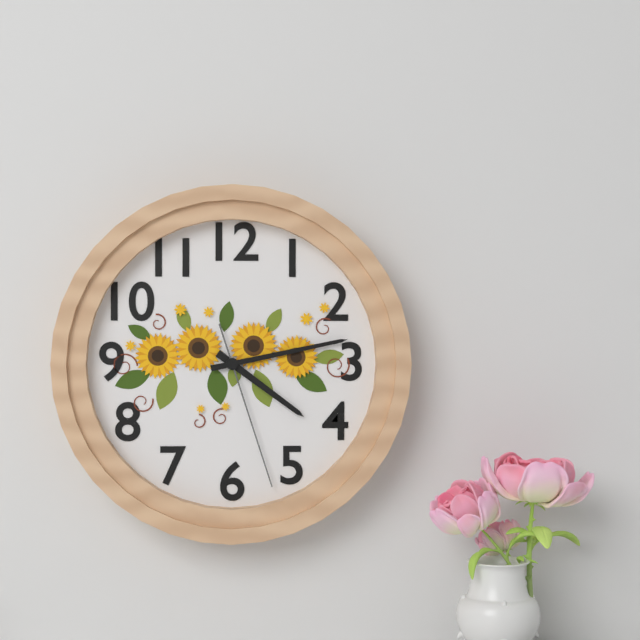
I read {"hour": 4, "minute": 13, "second": 27}
